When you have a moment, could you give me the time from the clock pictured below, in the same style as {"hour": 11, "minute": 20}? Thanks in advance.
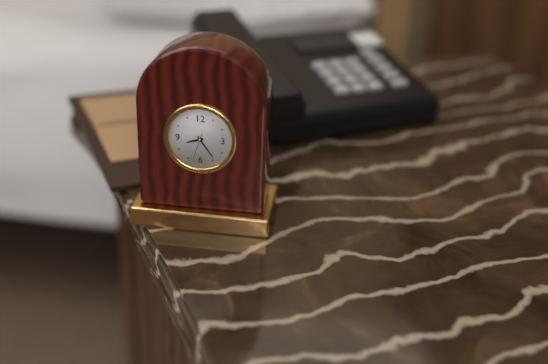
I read {"hour": 8, "minute": 24}
